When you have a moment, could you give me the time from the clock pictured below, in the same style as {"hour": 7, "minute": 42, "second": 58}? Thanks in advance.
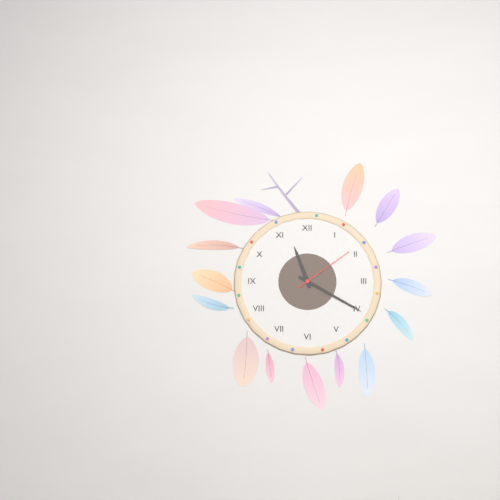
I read {"hour": 11, "minute": 20, "second": 9}
